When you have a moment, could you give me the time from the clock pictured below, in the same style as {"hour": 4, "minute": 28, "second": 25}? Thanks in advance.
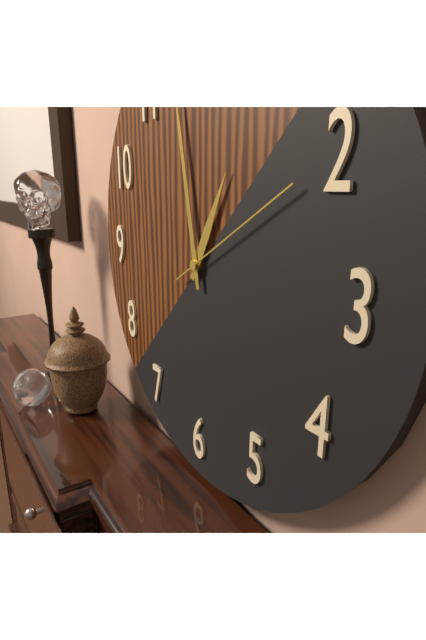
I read {"hour": 12, "minute": 58, "second": 10}
